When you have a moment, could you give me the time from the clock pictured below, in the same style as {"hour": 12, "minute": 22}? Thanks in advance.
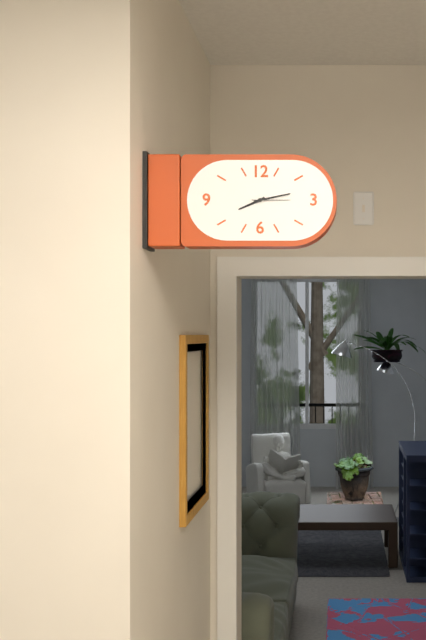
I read {"hour": 8, "minute": 13}
